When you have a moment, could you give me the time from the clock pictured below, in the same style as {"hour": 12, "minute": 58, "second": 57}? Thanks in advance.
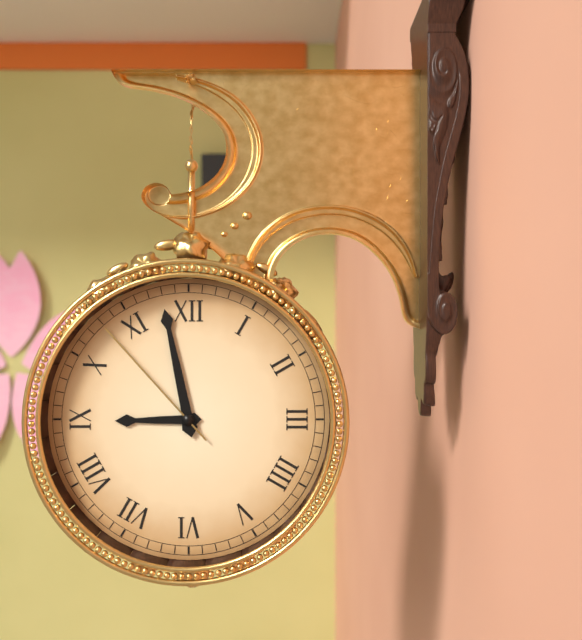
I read {"hour": 8, "minute": 58, "second": 53}
